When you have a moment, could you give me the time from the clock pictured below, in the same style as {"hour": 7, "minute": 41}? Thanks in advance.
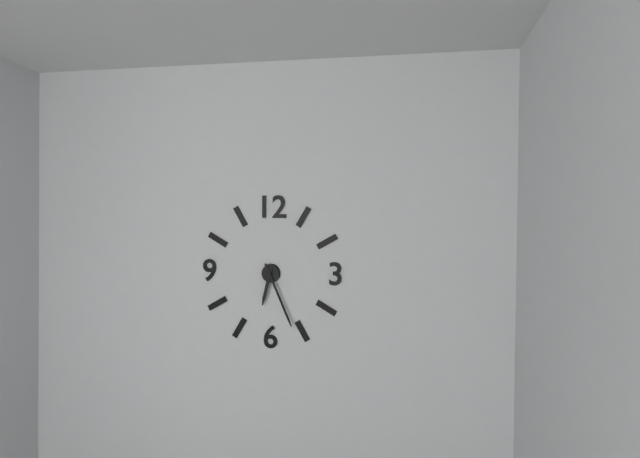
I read {"hour": 6, "minute": 26}
